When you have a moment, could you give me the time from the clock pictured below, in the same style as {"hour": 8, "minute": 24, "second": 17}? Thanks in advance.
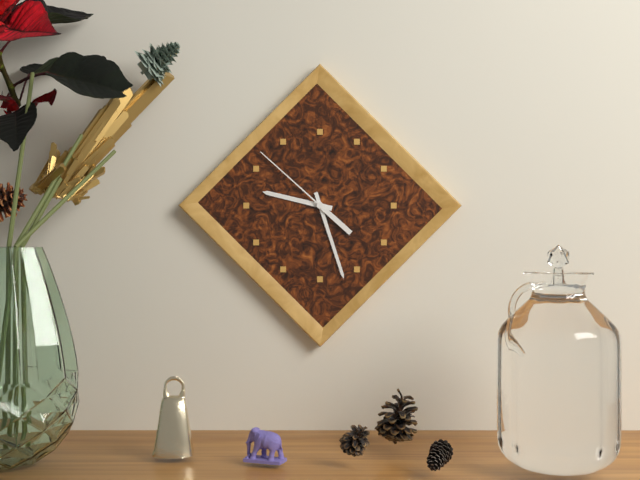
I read {"hour": 9, "minute": 27, "second": 52}
